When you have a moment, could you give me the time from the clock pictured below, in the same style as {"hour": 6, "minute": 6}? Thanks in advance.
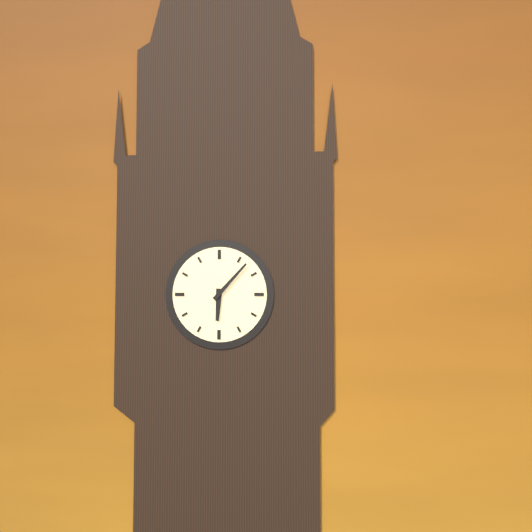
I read {"hour": 6, "minute": 7}
